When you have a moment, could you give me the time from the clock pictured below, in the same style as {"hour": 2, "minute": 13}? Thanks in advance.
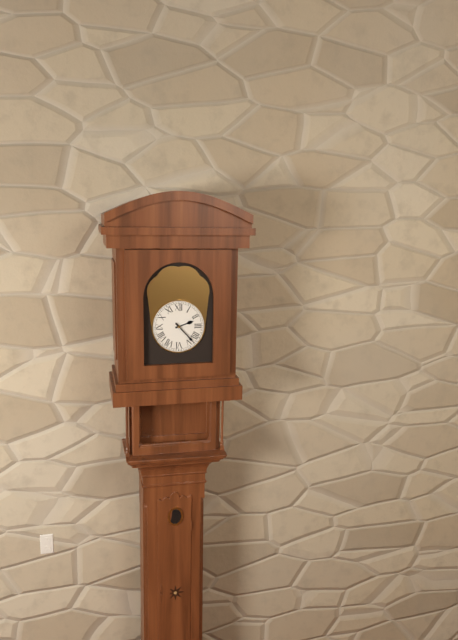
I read {"hour": 2, "minute": 23}
